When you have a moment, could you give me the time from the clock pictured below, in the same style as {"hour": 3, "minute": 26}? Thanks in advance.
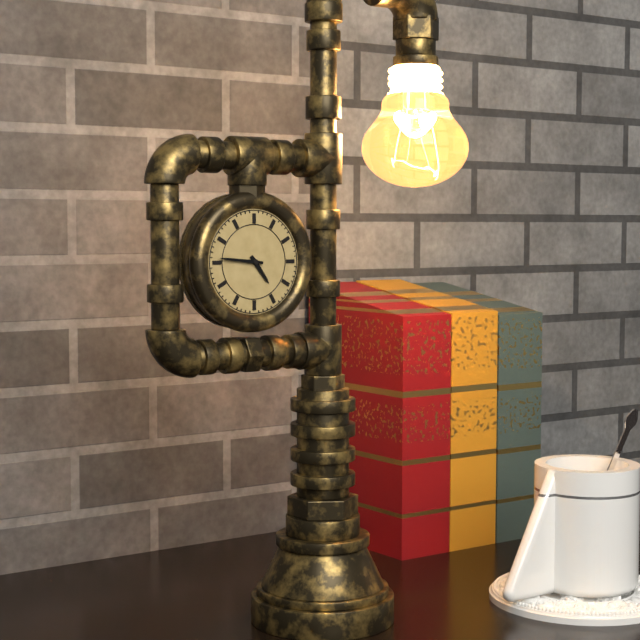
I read {"hour": 4, "minute": 46}
